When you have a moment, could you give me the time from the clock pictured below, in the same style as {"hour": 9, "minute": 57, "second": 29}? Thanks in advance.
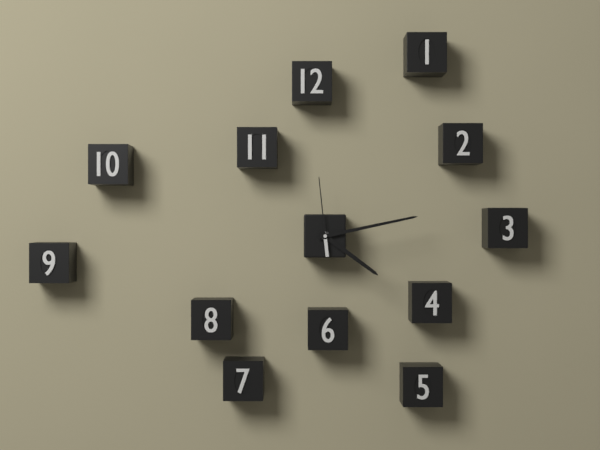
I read {"hour": 4, "minute": 13, "second": 59}
